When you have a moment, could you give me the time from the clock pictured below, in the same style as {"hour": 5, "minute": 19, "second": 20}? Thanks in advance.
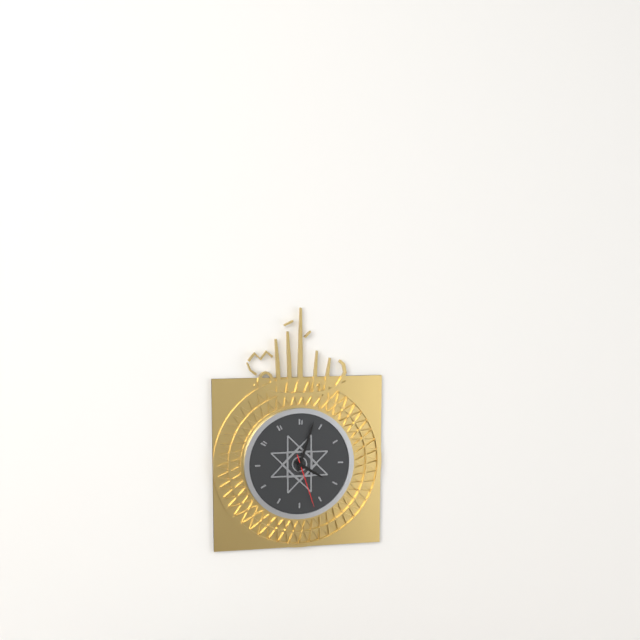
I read {"hour": 4, "minute": 3, "second": 27}
